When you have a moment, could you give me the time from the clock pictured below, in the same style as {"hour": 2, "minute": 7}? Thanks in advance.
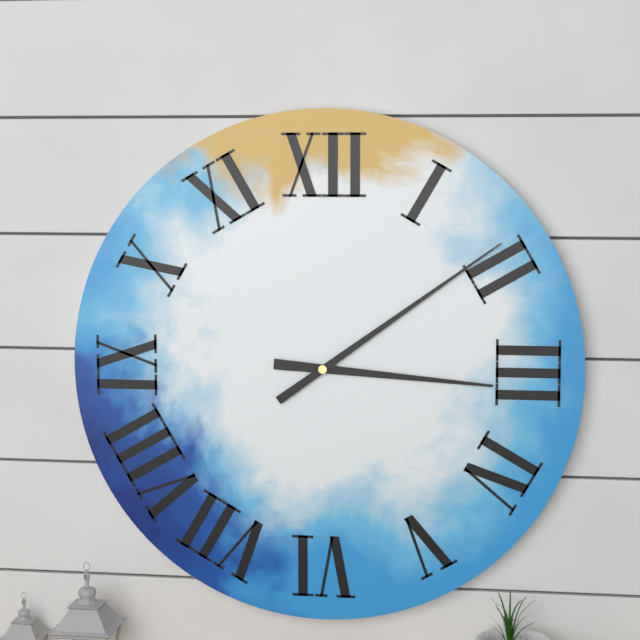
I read {"hour": 3, "minute": 9}
